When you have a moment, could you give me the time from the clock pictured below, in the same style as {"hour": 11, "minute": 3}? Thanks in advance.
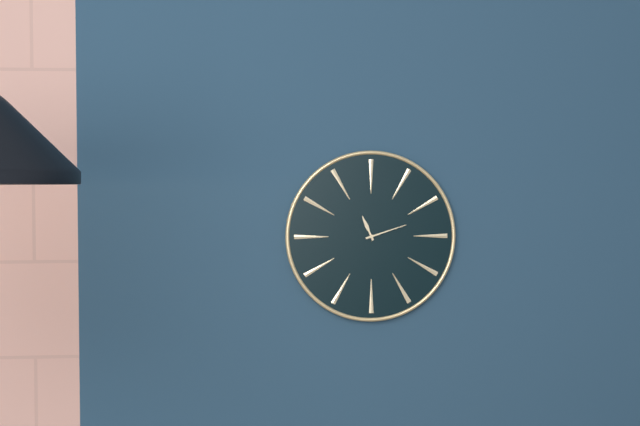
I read {"hour": 11, "minute": 12}
